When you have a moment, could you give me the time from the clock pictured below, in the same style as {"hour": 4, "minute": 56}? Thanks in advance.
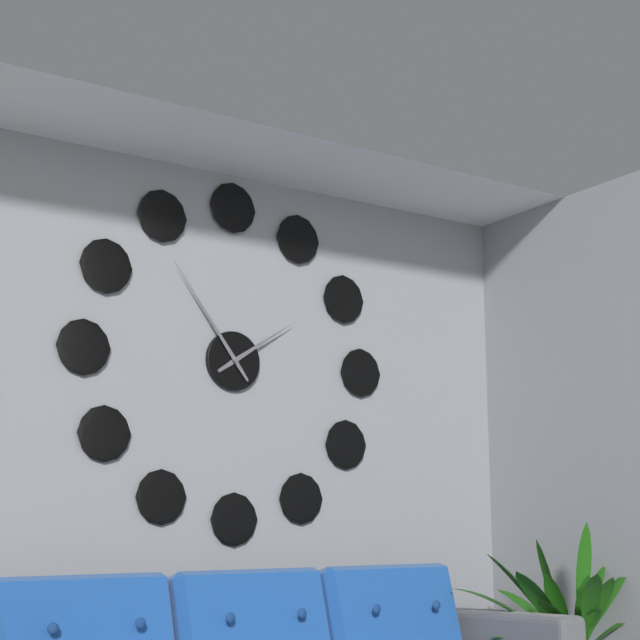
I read {"hour": 1, "minute": 54}
